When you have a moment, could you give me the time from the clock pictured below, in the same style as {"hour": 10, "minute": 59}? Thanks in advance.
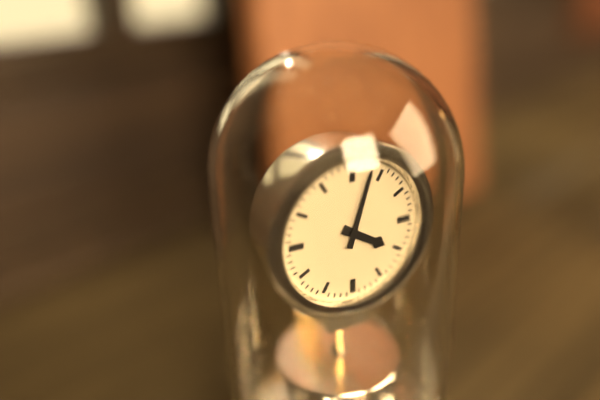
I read {"hour": 4, "minute": 3}
